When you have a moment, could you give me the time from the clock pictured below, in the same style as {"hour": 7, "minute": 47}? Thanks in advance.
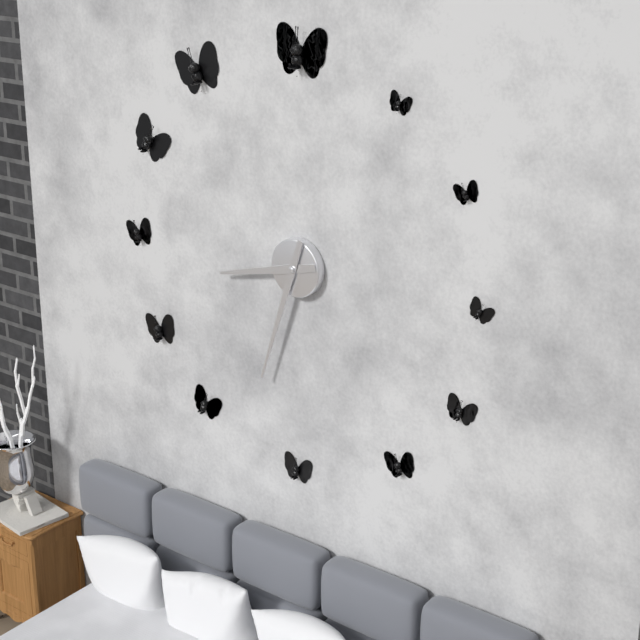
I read {"hour": 8, "minute": 33}
